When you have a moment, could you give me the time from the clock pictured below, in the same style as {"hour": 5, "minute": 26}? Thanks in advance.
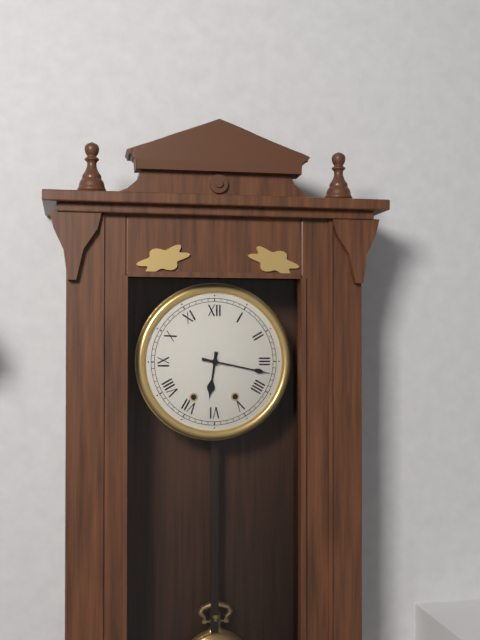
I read {"hour": 6, "minute": 17}
